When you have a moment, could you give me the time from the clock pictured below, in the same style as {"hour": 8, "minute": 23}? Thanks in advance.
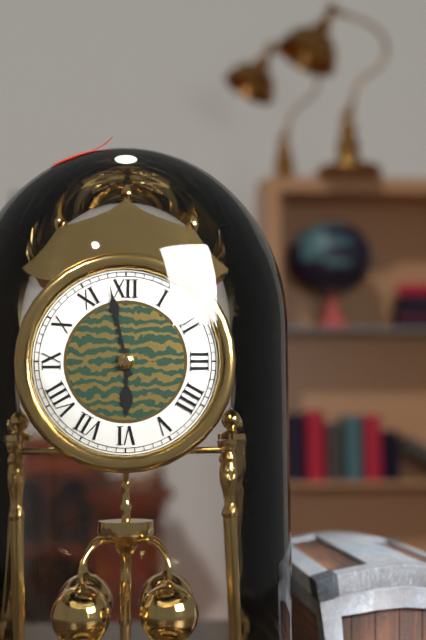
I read {"hour": 5, "minute": 58}
